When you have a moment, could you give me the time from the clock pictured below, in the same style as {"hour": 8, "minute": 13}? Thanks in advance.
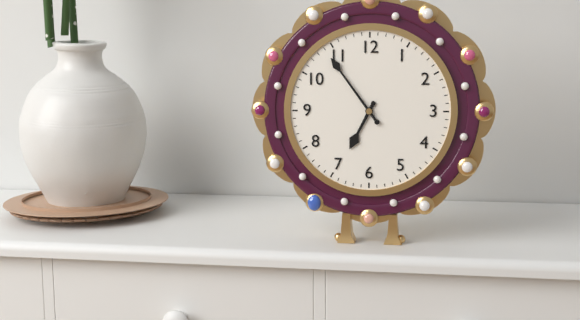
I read {"hour": 6, "minute": 54}
